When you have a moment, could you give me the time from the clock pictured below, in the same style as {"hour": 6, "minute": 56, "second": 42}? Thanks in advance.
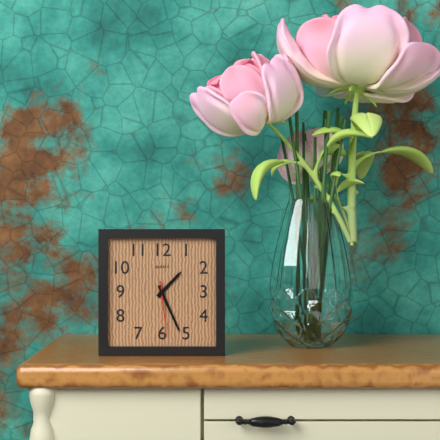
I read {"hour": 1, "minute": 26, "second": 29}
